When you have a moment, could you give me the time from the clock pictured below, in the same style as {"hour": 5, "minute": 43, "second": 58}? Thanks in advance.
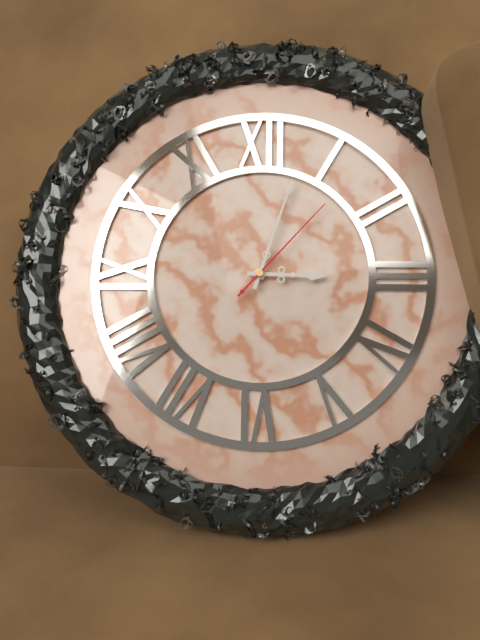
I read {"hour": 3, "minute": 3, "second": 7}
